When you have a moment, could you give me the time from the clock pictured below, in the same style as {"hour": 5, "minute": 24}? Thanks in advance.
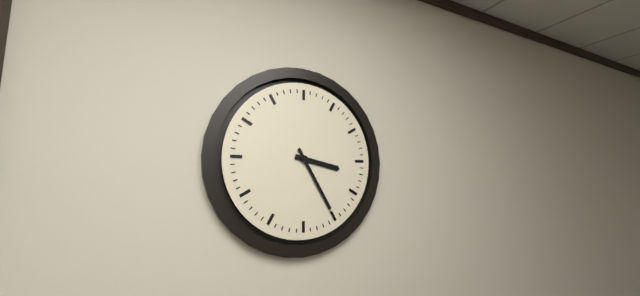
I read {"hour": 3, "minute": 25}
